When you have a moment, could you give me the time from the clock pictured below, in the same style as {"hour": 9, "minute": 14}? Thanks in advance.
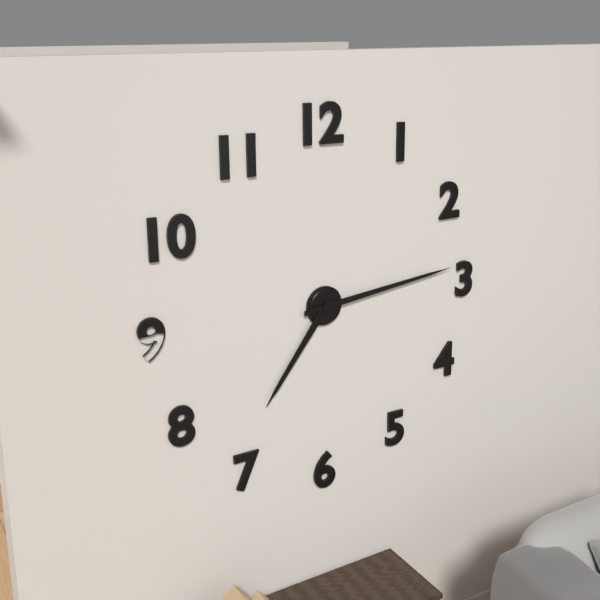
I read {"hour": 7, "minute": 14}
